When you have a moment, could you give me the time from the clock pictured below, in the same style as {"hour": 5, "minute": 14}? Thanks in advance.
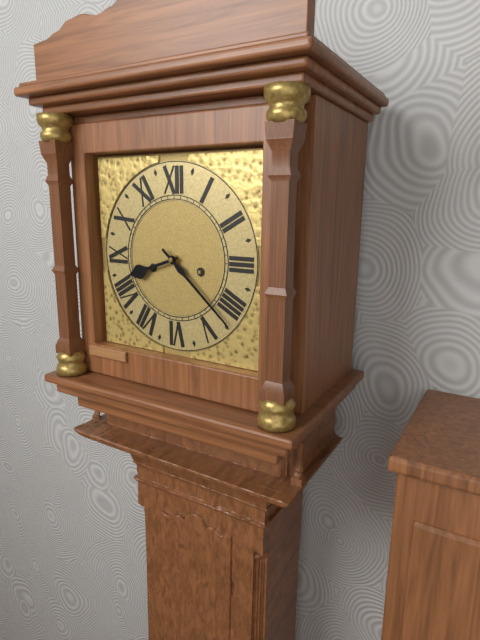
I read {"hour": 8, "minute": 22}
